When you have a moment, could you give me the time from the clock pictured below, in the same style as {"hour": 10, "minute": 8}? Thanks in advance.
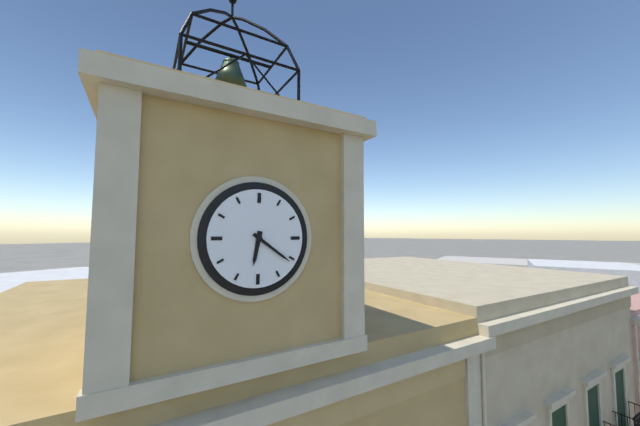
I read {"hour": 6, "minute": 21}
